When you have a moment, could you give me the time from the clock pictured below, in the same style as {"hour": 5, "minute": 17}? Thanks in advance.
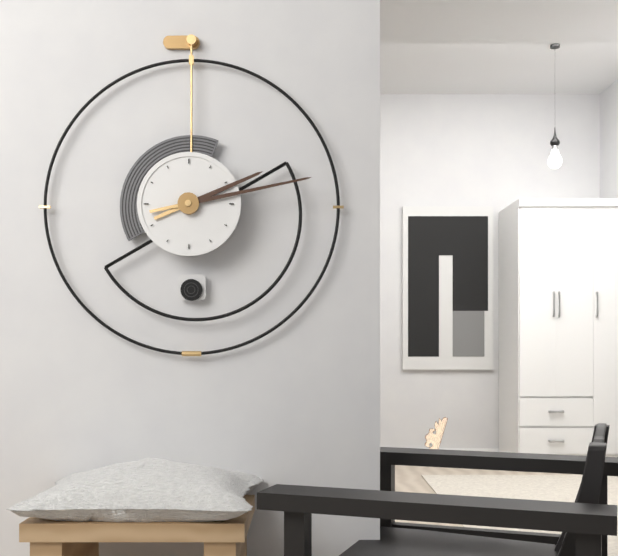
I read {"hour": 2, "minute": 13}
